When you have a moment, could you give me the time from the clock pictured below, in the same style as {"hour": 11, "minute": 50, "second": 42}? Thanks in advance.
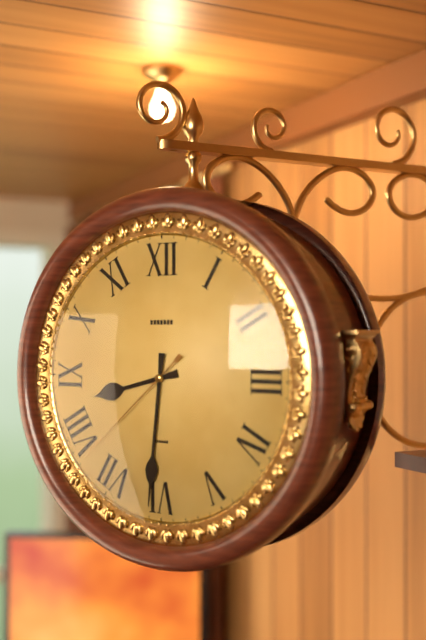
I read {"hour": 8, "minute": 31, "second": 38}
